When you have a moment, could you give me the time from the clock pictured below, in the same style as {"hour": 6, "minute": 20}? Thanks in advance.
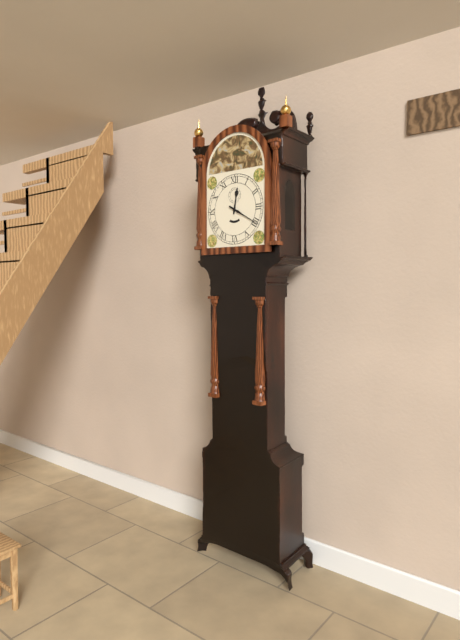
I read {"hour": 12, "minute": 20}
